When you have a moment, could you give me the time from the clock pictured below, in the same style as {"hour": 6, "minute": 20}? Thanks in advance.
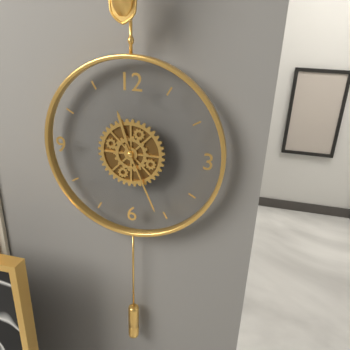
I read {"hour": 11, "minute": 26}
